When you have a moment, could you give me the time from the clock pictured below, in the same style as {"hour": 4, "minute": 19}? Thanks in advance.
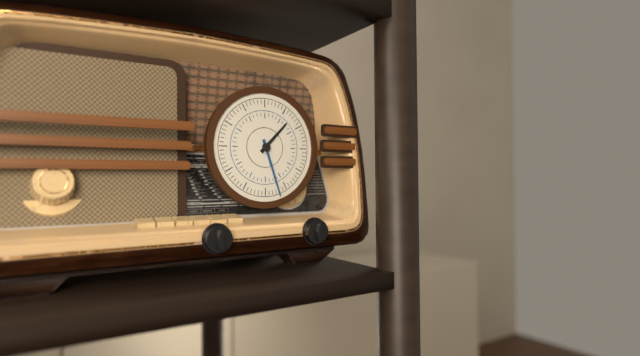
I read {"hour": 1, "minute": 27}
